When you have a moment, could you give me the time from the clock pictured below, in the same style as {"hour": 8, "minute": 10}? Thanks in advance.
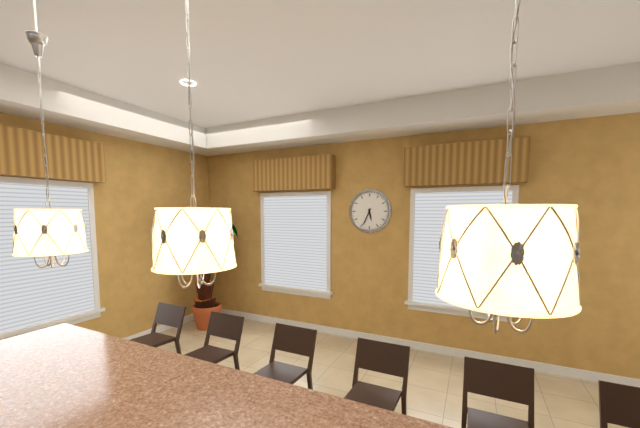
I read {"hour": 5, "minute": 34}
